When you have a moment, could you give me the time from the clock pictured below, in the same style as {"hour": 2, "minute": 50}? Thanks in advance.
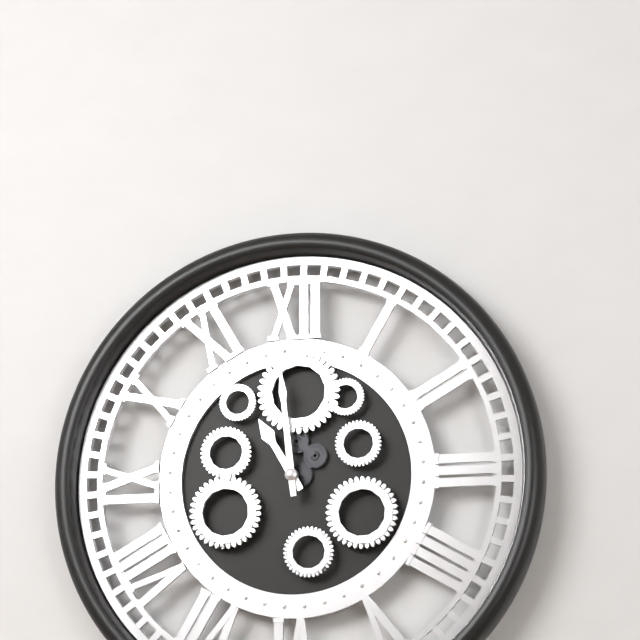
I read {"hour": 10, "minute": 59}
